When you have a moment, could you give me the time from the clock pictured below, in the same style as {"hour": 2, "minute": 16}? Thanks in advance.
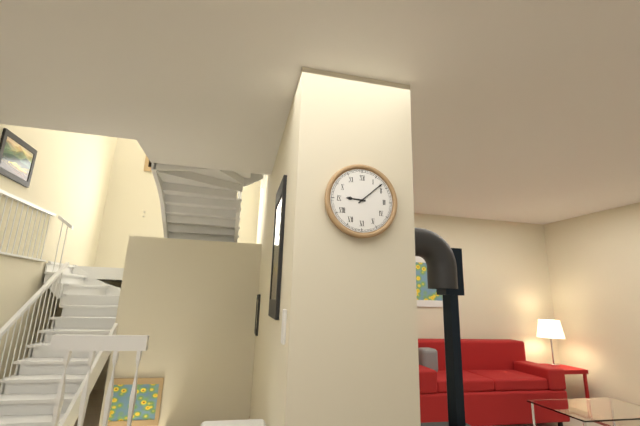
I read {"hour": 9, "minute": 8}
